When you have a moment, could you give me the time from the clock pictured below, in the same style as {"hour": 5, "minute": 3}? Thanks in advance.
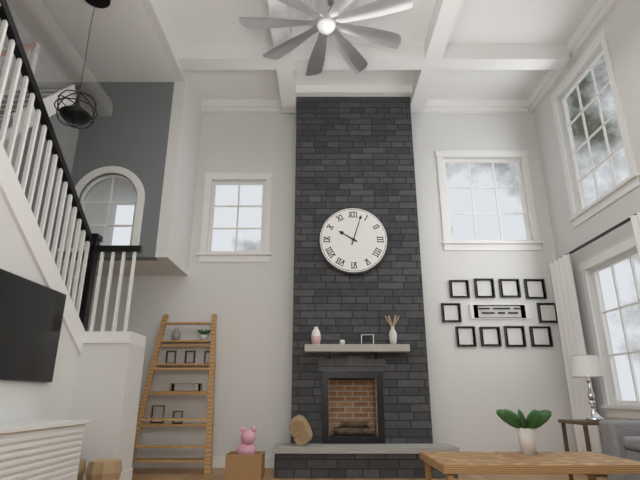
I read {"hour": 10, "minute": 3}
